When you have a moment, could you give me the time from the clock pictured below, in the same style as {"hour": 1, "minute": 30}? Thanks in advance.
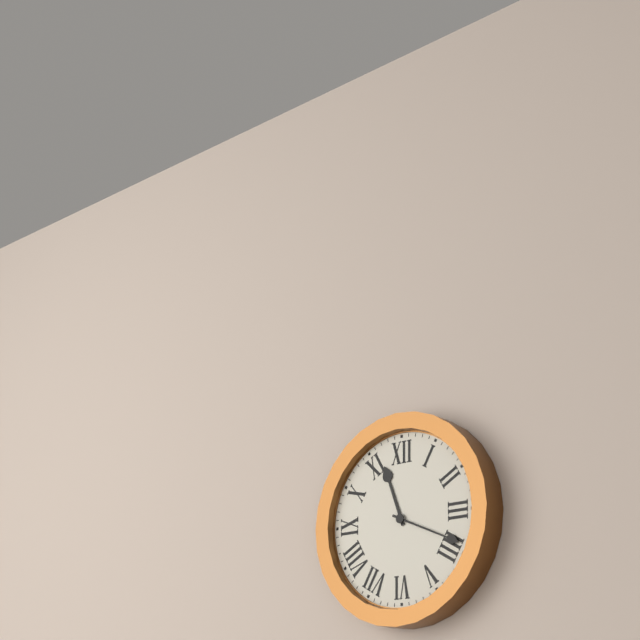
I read {"hour": 11, "minute": 19}
